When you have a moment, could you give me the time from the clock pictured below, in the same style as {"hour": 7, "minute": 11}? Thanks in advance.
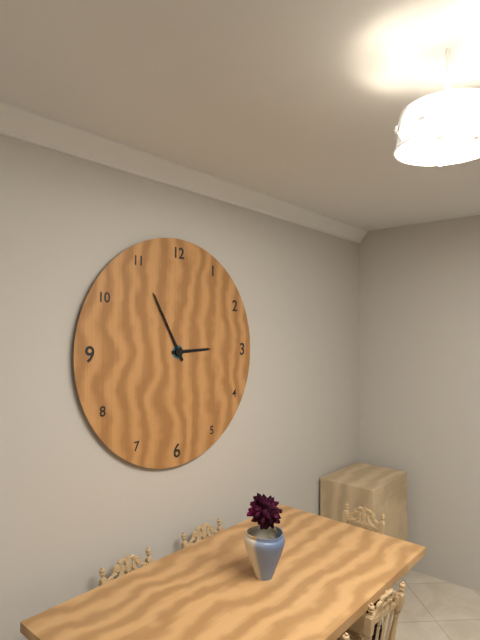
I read {"hour": 2, "minute": 55}
